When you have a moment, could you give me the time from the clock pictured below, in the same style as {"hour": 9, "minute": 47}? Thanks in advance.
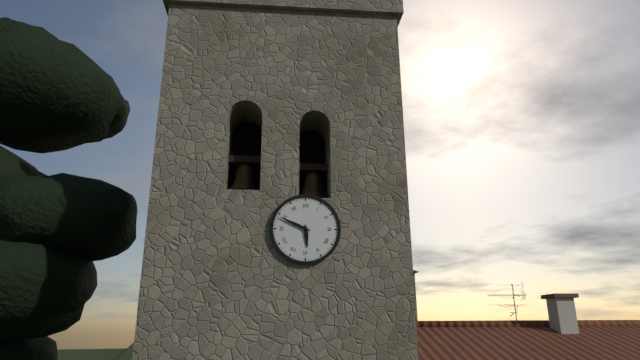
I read {"hour": 5, "minute": 49}
